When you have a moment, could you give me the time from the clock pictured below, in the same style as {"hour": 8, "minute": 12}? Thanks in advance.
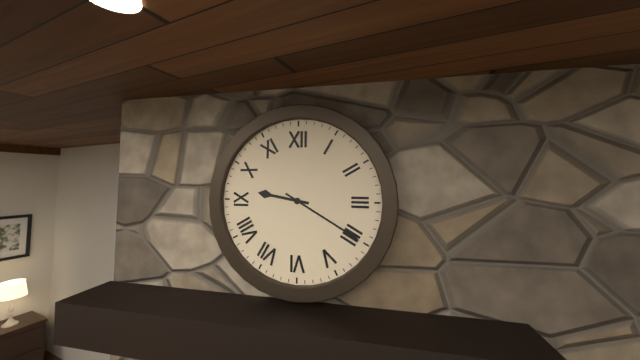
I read {"hour": 9, "minute": 20}
